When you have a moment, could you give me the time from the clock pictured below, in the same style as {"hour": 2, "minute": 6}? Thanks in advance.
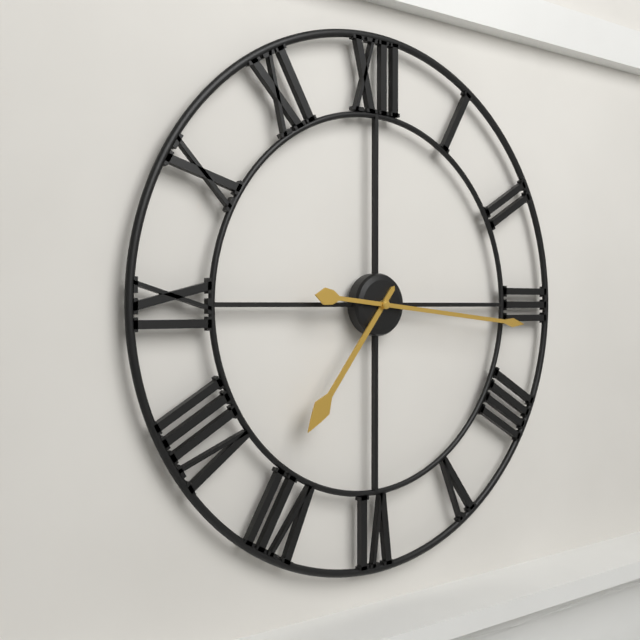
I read {"hour": 7, "minute": 16}
